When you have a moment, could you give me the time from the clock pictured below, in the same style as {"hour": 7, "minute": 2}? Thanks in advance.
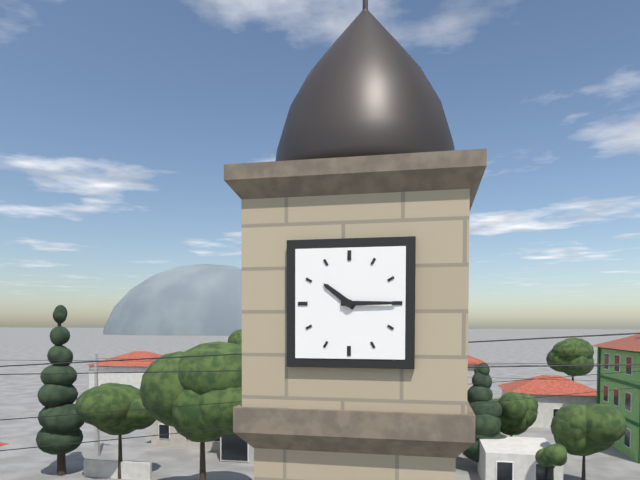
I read {"hour": 10, "minute": 15}
